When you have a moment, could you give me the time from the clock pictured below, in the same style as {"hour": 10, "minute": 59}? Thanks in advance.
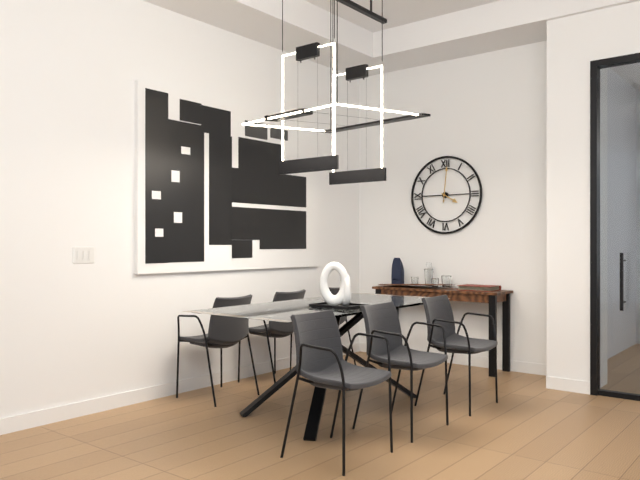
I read {"hour": 4, "minute": 1}
